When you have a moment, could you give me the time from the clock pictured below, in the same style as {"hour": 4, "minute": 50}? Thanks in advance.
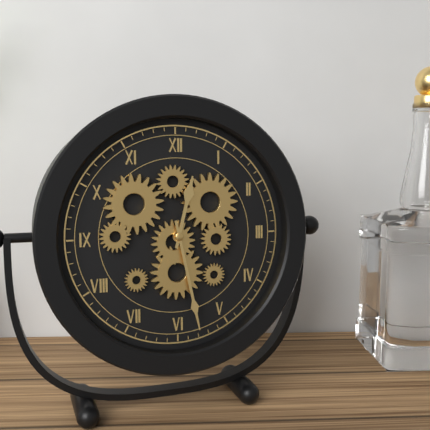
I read {"hour": 12, "minute": 28}
